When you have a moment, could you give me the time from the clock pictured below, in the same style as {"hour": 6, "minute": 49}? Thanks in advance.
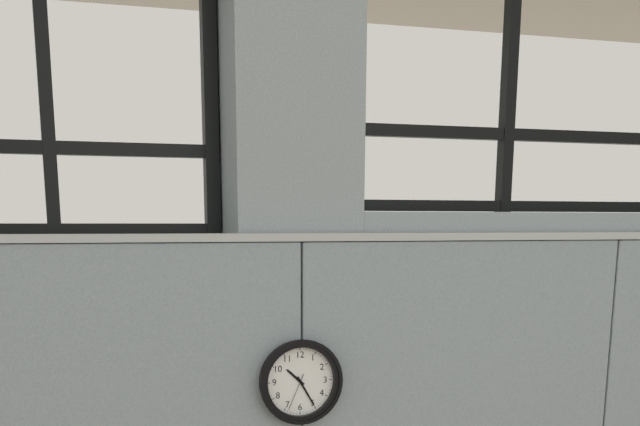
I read {"hour": 10, "minute": 25}
